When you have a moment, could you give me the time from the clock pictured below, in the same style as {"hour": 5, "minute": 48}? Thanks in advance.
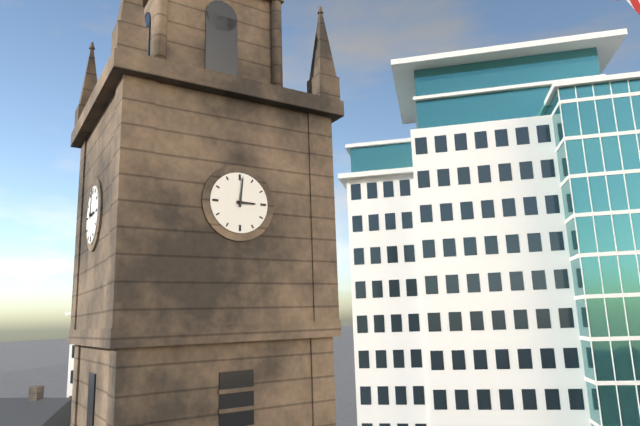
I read {"hour": 3, "minute": 1}
